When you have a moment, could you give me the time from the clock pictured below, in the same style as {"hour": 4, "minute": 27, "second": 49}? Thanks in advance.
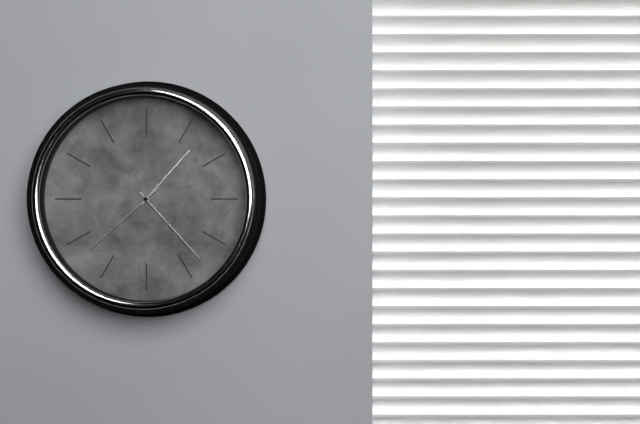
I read {"hour": 1, "minute": 23, "second": 38}
